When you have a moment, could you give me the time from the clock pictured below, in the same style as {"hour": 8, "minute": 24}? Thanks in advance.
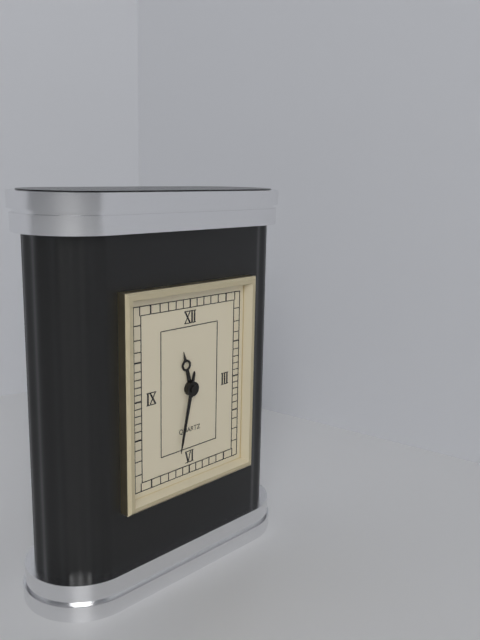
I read {"hour": 11, "minute": 32}
